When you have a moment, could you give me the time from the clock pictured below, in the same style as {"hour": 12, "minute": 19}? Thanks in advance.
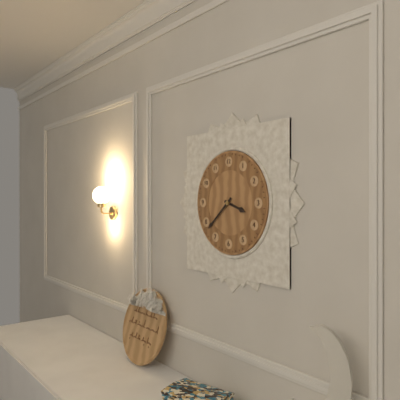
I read {"hour": 3, "minute": 38}
